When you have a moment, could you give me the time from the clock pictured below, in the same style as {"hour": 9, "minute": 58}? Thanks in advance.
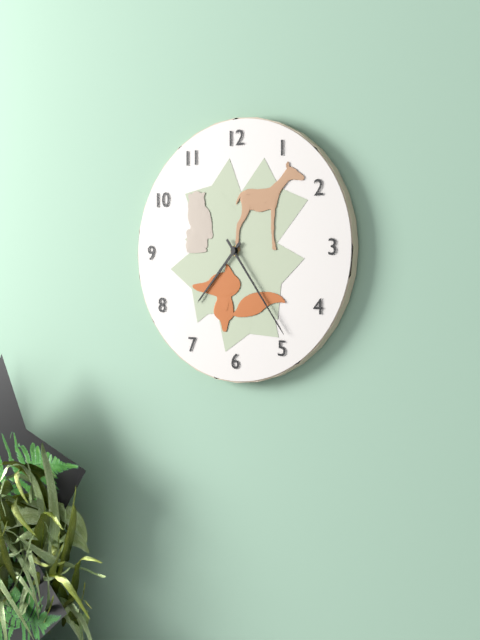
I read {"hour": 7, "minute": 24}
